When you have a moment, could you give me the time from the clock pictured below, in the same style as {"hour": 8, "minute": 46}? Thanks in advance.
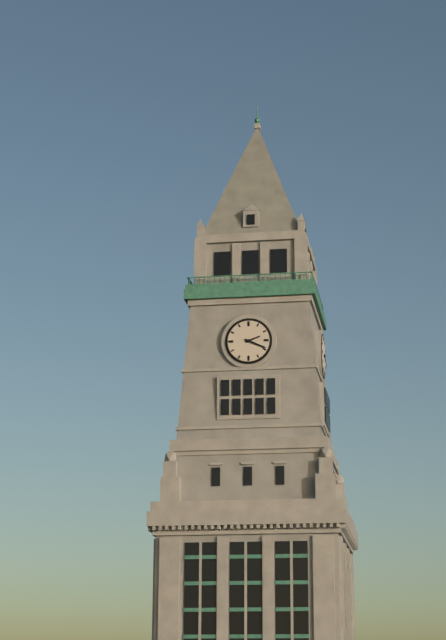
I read {"hour": 2, "minute": 19}
